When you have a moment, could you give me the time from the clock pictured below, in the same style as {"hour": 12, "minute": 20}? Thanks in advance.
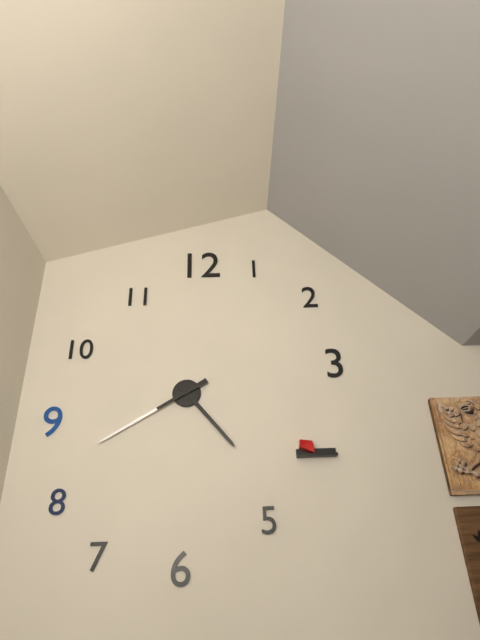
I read {"hour": 4, "minute": 40}
